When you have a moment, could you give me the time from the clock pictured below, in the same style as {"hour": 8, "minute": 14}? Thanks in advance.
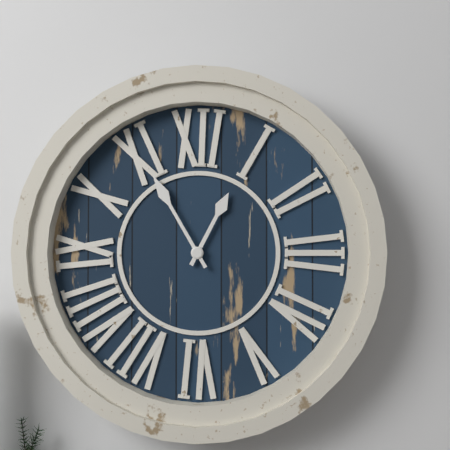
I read {"hour": 12, "minute": 55}
